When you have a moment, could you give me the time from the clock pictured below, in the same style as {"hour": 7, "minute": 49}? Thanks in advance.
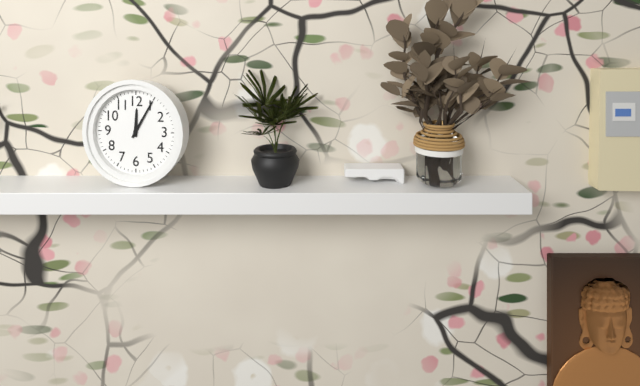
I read {"hour": 12, "minute": 5}
